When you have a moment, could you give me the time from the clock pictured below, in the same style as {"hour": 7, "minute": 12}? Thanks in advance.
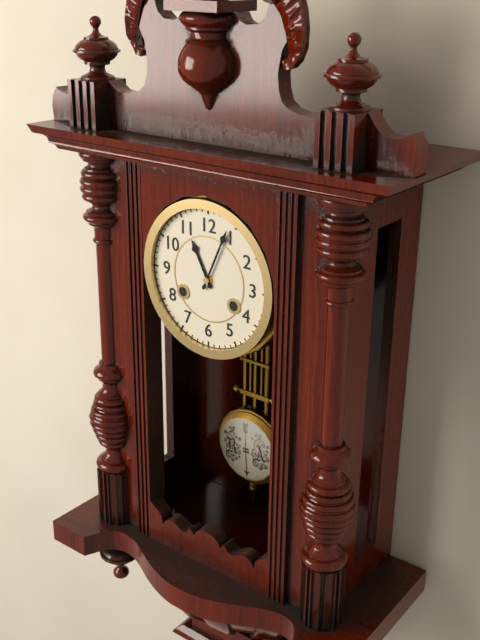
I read {"hour": 11, "minute": 4}
